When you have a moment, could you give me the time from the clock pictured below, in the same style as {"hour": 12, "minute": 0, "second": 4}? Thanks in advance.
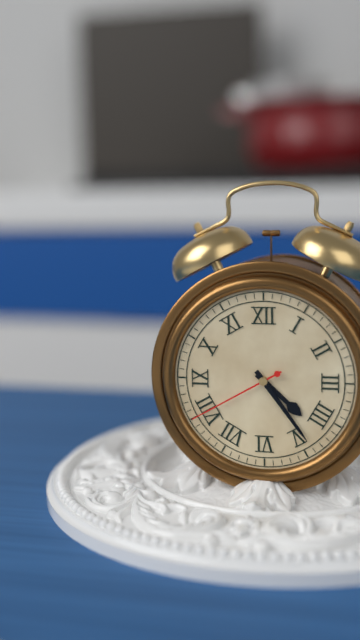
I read {"hour": 4, "minute": 24, "second": 40}
